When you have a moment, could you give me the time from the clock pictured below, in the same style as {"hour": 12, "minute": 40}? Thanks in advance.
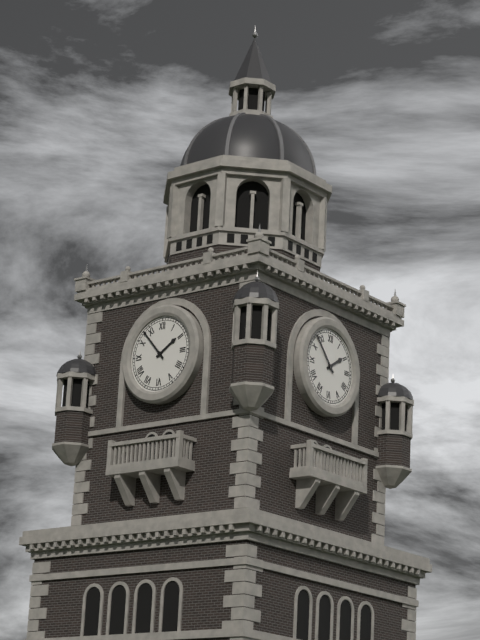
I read {"hour": 1, "minute": 53}
